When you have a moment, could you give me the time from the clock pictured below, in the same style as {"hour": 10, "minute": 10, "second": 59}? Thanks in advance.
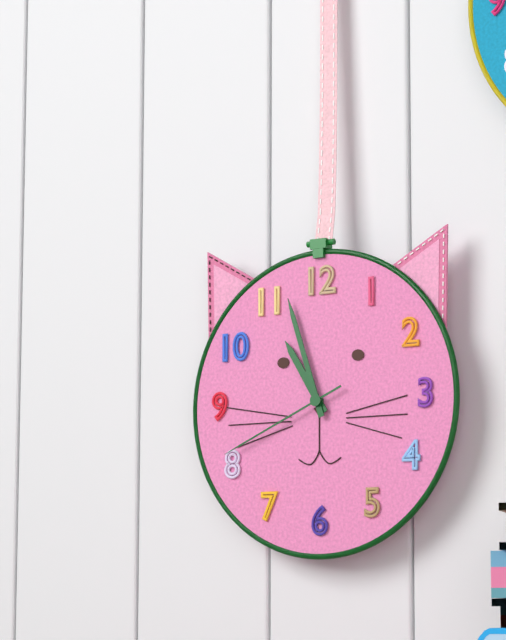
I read {"hour": 10, "minute": 57, "second": 41}
